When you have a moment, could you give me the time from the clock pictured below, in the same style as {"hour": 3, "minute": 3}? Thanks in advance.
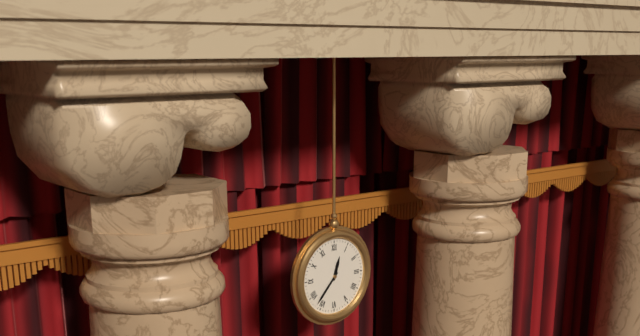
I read {"hour": 12, "minute": 37}
